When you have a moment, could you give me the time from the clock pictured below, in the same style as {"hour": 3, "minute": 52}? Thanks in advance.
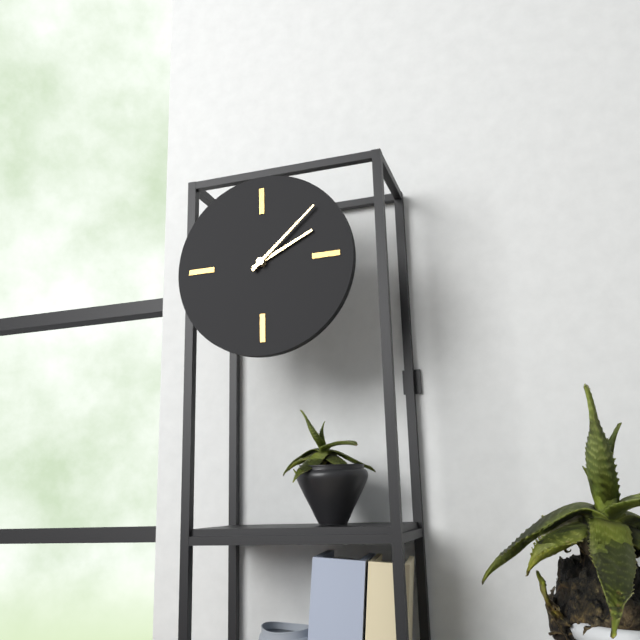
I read {"hour": 2, "minute": 8}
